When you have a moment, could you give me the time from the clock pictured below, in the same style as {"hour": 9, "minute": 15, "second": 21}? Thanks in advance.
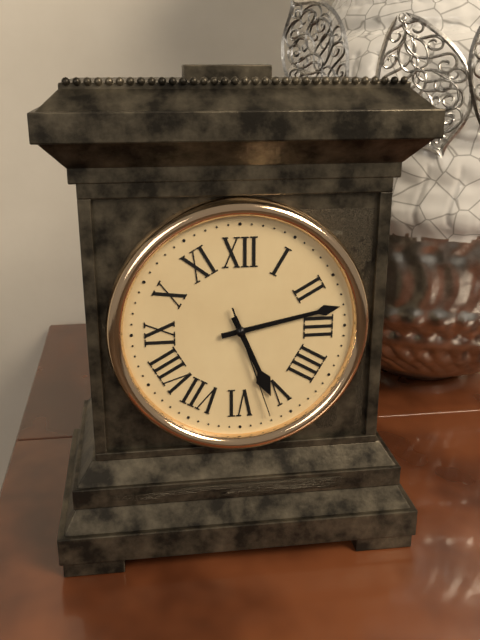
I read {"hour": 5, "minute": 13, "second": 27}
